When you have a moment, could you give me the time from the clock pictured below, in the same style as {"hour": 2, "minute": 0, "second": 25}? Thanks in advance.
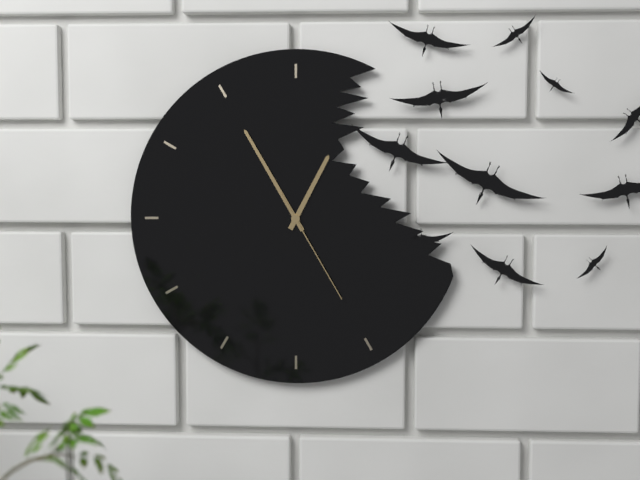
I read {"hour": 12, "minute": 55, "second": 25}
